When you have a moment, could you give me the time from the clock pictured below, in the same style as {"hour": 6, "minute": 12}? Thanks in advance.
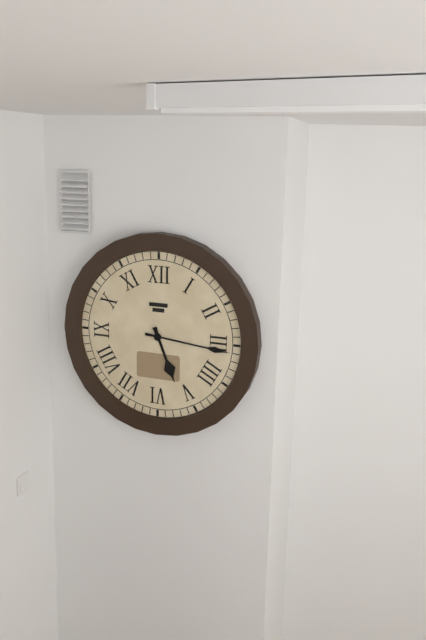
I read {"hour": 5, "minute": 16}
